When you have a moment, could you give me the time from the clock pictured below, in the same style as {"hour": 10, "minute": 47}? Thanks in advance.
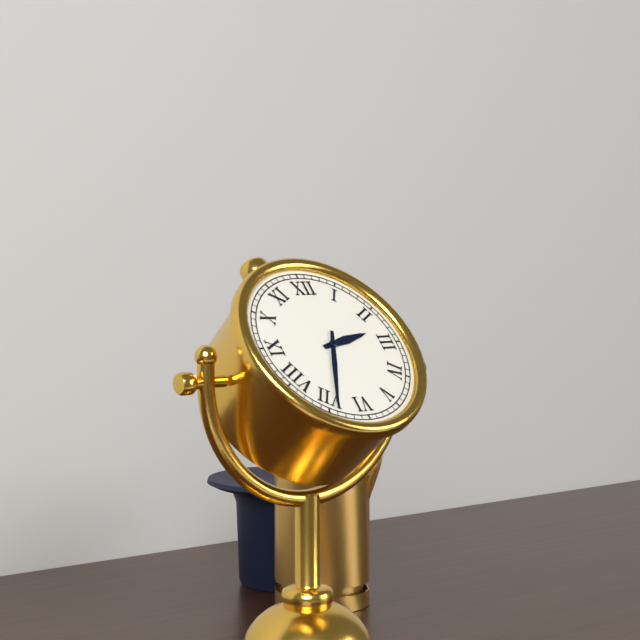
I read {"hour": 2, "minute": 34}
